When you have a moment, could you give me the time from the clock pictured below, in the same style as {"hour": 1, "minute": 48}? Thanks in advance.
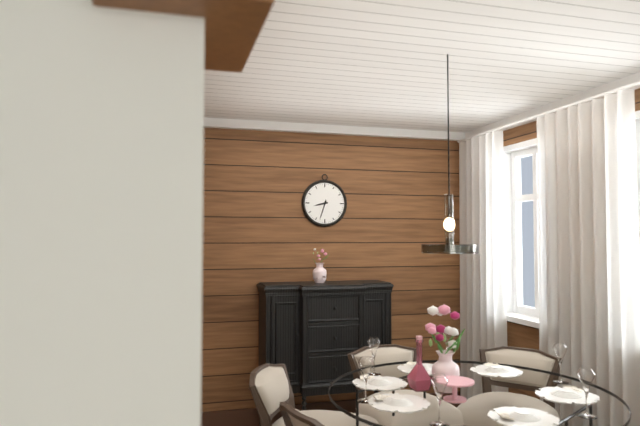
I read {"hour": 8, "minute": 33}
